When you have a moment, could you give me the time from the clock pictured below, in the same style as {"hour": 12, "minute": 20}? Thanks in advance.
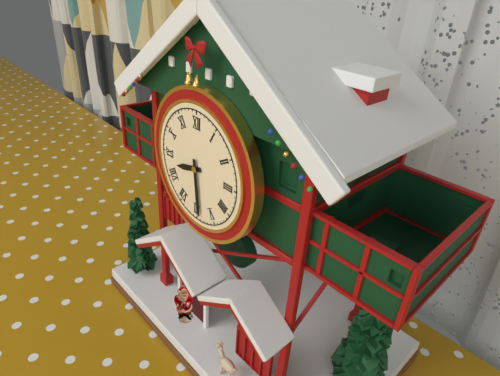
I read {"hour": 8, "minute": 29}
